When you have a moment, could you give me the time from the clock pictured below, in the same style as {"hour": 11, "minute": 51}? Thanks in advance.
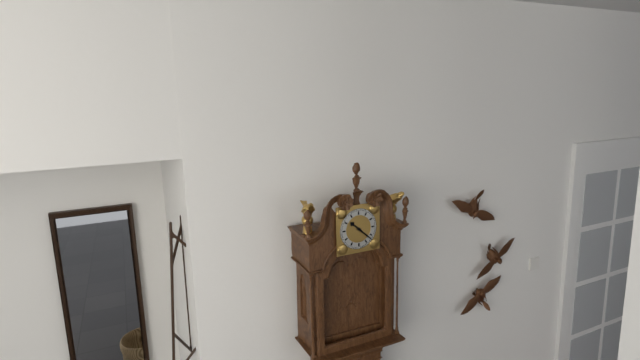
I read {"hour": 10, "minute": 22}
